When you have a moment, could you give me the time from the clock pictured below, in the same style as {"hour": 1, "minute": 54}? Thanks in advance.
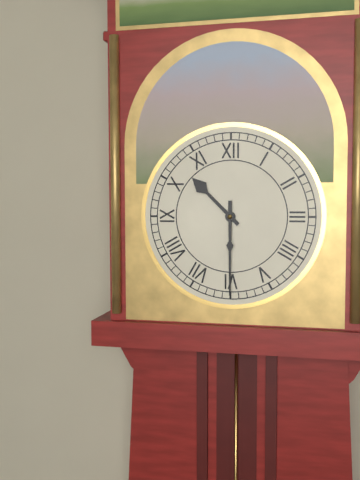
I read {"hour": 10, "minute": 30}
